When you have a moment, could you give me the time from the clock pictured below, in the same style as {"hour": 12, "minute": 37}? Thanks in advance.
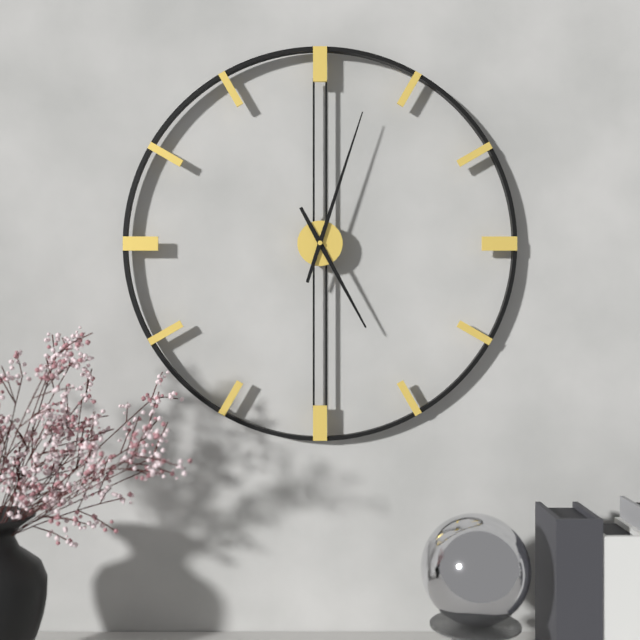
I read {"hour": 5, "minute": 3}
